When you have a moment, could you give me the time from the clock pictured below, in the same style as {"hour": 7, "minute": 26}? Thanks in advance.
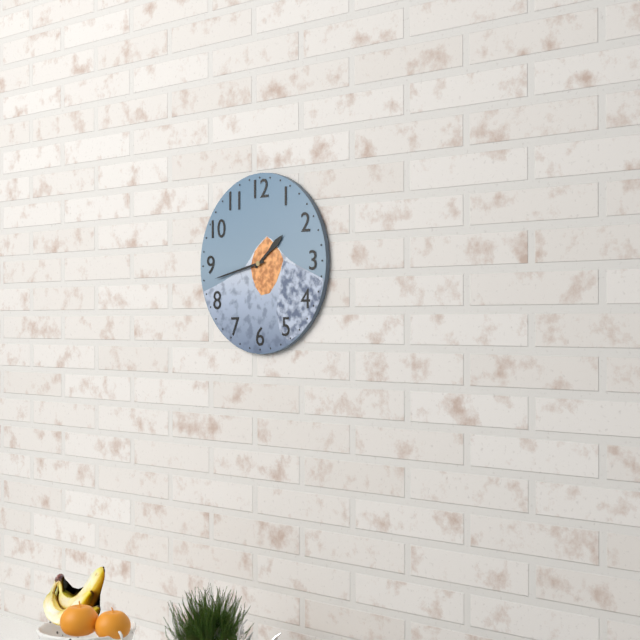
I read {"hour": 1, "minute": 43}
